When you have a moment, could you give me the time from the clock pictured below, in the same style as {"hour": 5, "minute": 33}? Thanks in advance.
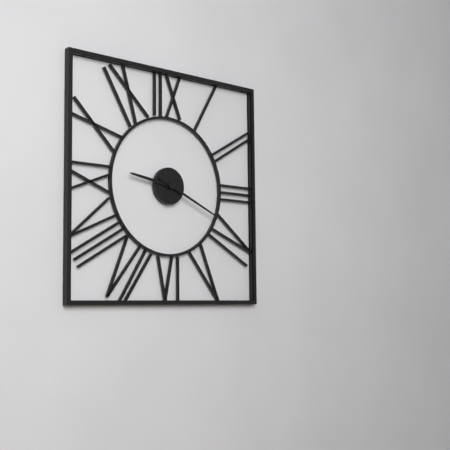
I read {"hour": 9, "minute": 19}
